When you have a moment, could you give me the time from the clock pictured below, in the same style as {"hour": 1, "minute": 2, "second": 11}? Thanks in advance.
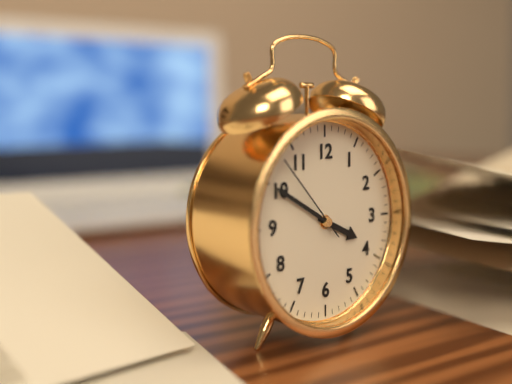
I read {"hour": 3, "minute": 50, "second": 53}
